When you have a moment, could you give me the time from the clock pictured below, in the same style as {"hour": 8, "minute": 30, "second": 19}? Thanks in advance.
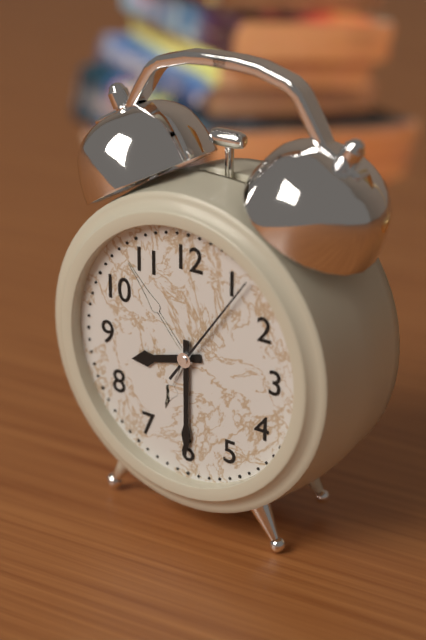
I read {"hour": 8, "minute": 30, "second": 6}
